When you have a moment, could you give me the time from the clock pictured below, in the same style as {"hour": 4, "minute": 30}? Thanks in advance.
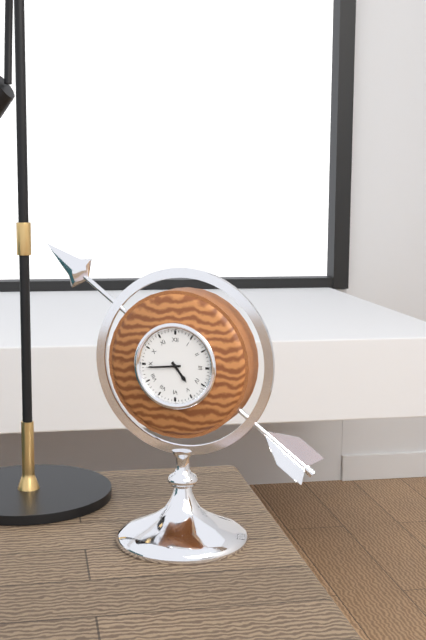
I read {"hour": 4, "minute": 44}
